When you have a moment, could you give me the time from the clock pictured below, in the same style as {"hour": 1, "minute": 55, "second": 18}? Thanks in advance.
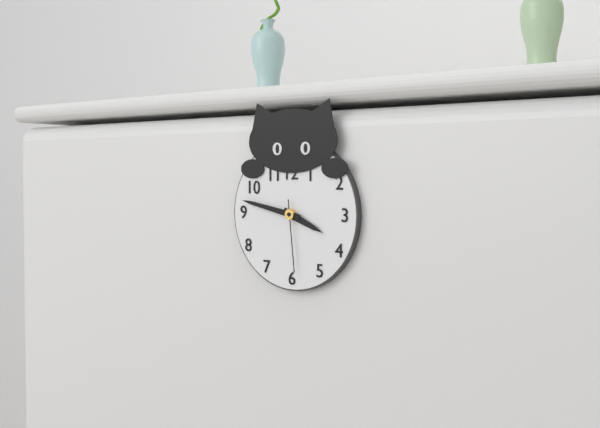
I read {"hour": 3, "minute": 47, "second": 29}
